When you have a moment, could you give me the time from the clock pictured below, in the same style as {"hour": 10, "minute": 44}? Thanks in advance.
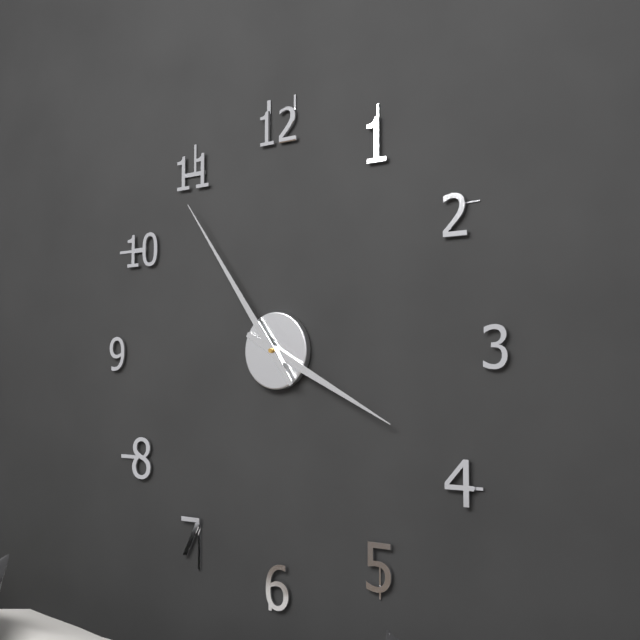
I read {"hour": 3, "minute": 54}
